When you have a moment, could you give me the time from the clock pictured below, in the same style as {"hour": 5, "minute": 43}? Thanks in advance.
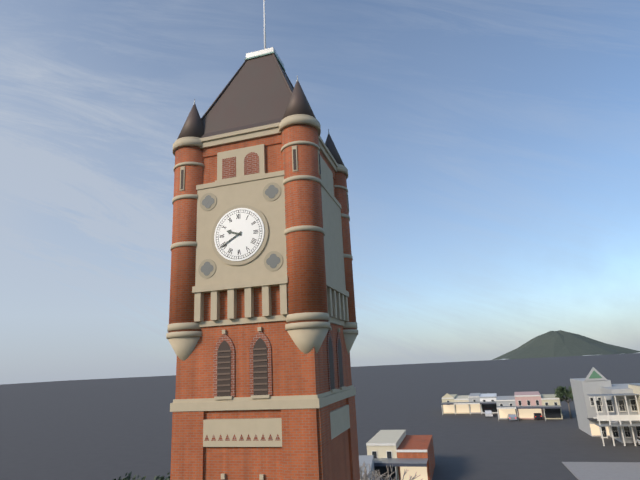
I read {"hour": 9, "minute": 40}
